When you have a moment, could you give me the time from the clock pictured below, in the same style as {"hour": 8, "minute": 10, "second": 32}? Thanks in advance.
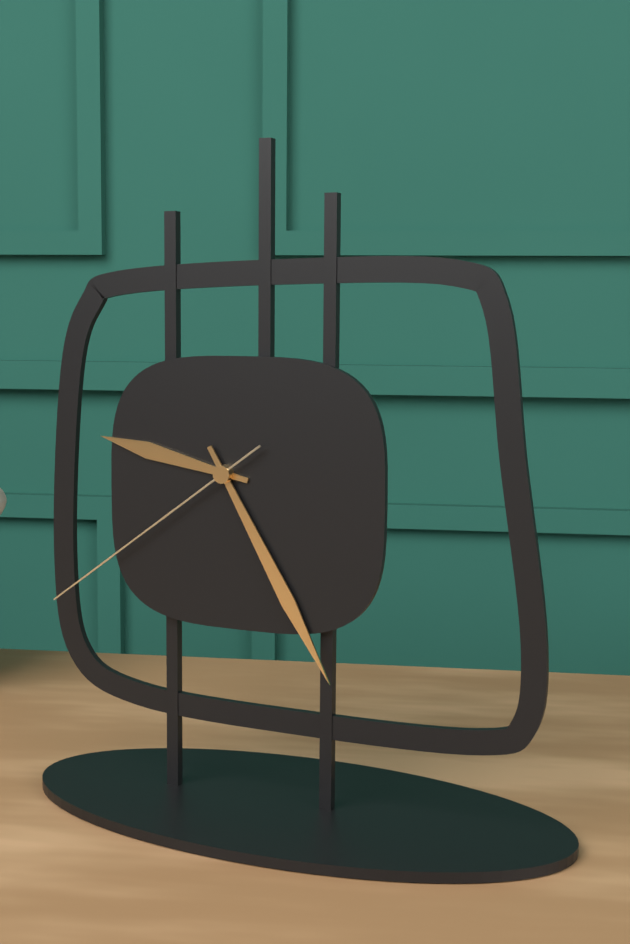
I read {"hour": 9, "minute": 25, "second": 39}
